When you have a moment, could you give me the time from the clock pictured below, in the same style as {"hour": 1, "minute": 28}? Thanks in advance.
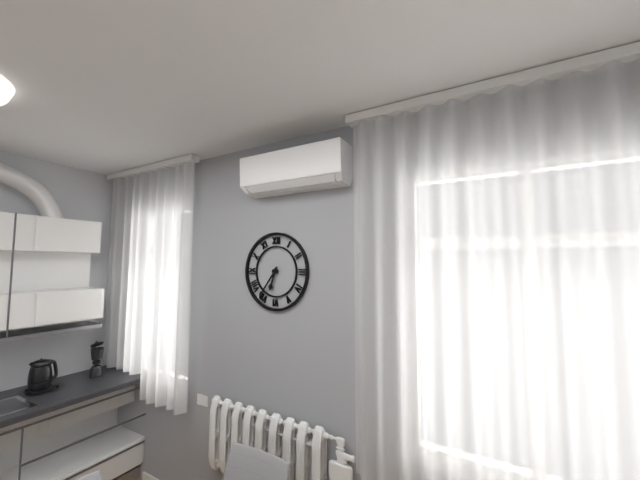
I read {"hour": 6, "minute": 36}
